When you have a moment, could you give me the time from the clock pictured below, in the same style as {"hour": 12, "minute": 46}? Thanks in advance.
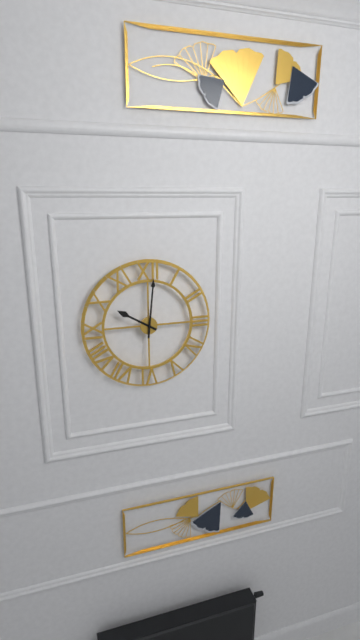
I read {"hour": 10, "minute": 1}
